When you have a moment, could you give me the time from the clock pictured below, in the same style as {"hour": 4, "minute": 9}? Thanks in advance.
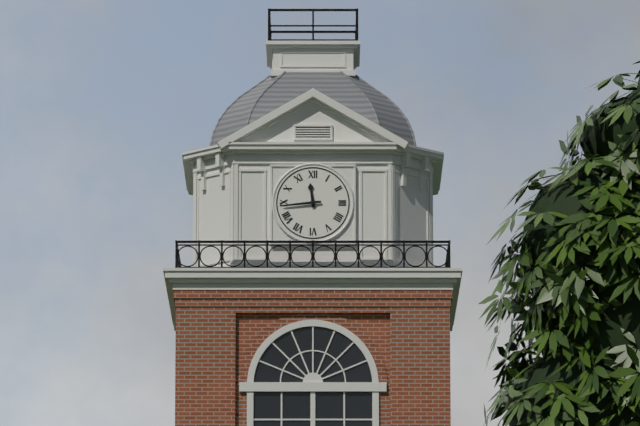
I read {"hour": 11, "minute": 44}
